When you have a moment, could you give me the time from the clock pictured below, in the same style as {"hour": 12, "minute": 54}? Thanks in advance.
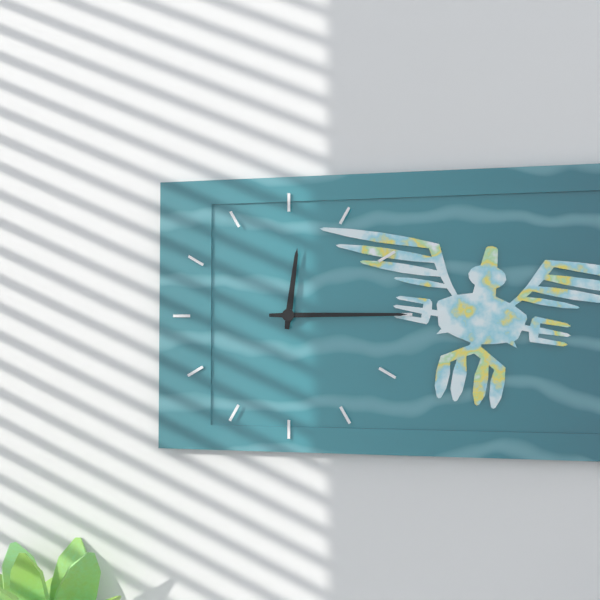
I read {"hour": 12, "minute": 15}
